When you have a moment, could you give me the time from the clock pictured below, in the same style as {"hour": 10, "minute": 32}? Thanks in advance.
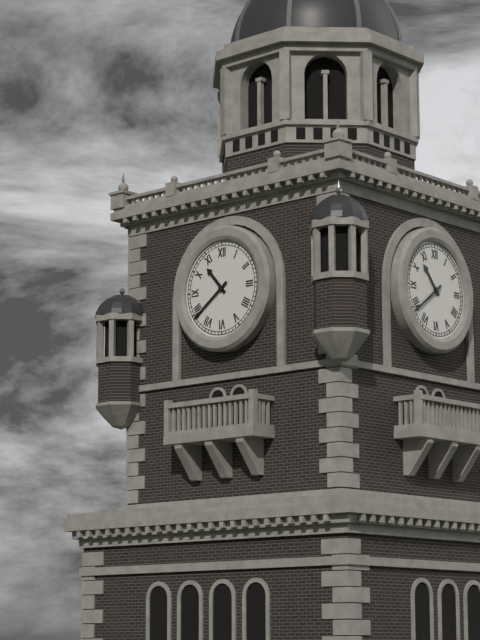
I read {"hour": 10, "minute": 39}
